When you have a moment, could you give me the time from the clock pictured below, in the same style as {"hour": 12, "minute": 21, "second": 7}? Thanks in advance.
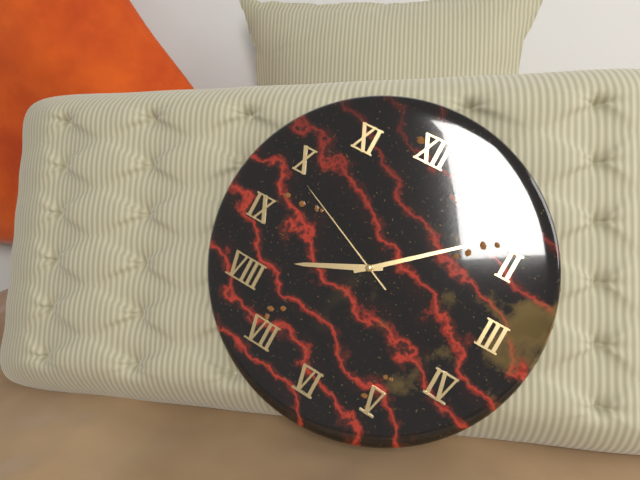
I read {"hour": 8, "minute": 8, "second": 49}
